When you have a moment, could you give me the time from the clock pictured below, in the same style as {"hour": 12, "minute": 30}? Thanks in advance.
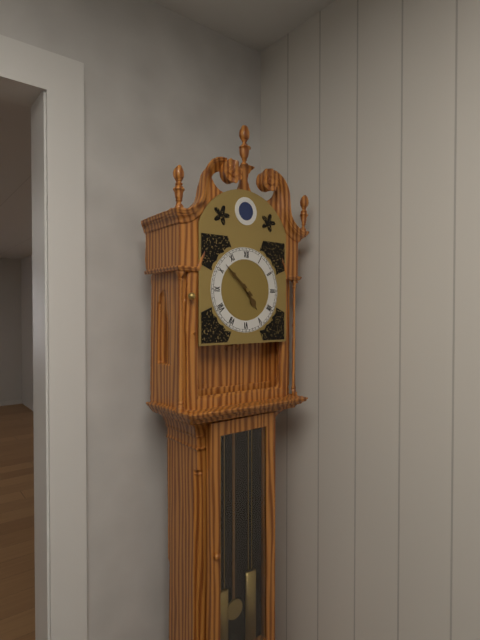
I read {"hour": 4, "minute": 52}
